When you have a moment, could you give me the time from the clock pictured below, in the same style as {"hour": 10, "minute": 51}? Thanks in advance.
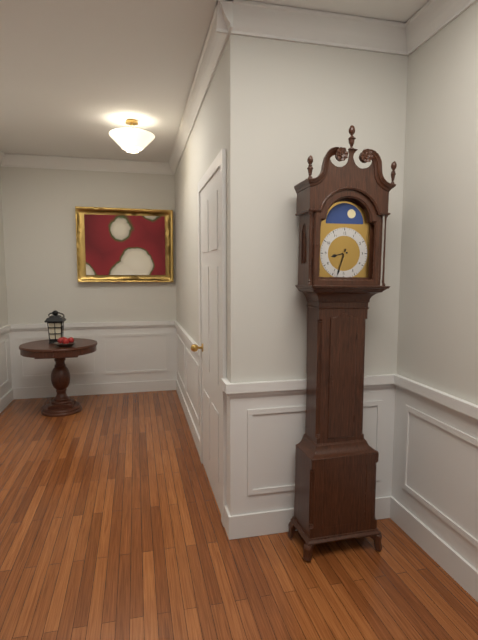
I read {"hour": 8, "minute": 33}
